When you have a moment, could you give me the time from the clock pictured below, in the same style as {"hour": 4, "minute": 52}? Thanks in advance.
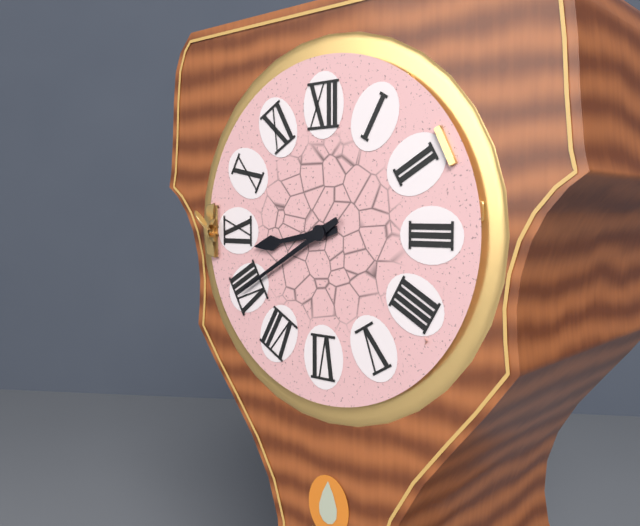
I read {"hour": 8, "minute": 40}
